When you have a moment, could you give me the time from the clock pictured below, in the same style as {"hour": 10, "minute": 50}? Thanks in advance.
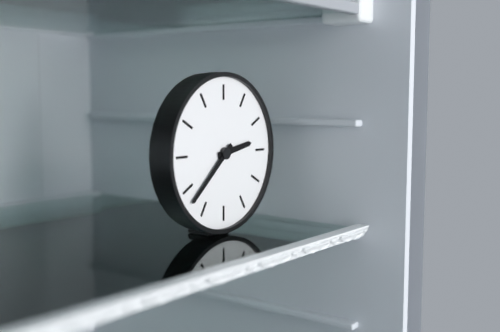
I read {"hour": 2, "minute": 38}
